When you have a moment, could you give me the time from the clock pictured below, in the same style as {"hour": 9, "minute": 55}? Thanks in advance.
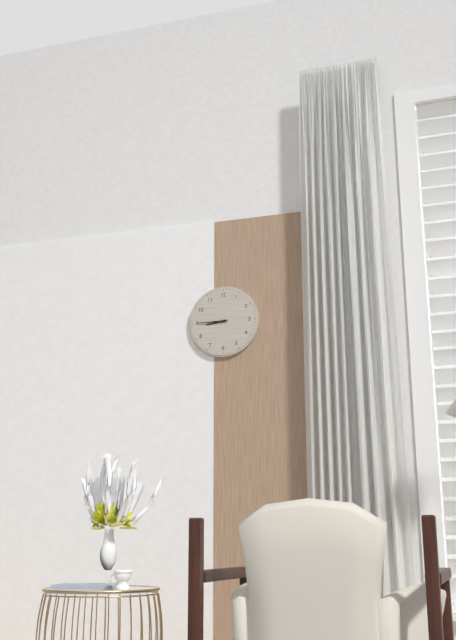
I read {"hour": 8, "minute": 45}
